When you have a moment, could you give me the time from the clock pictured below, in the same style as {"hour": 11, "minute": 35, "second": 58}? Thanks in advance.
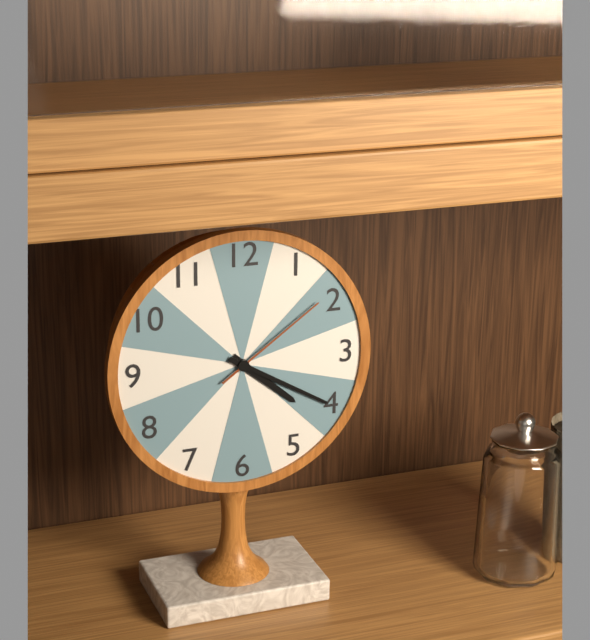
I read {"hour": 4, "minute": 20, "second": 9}
